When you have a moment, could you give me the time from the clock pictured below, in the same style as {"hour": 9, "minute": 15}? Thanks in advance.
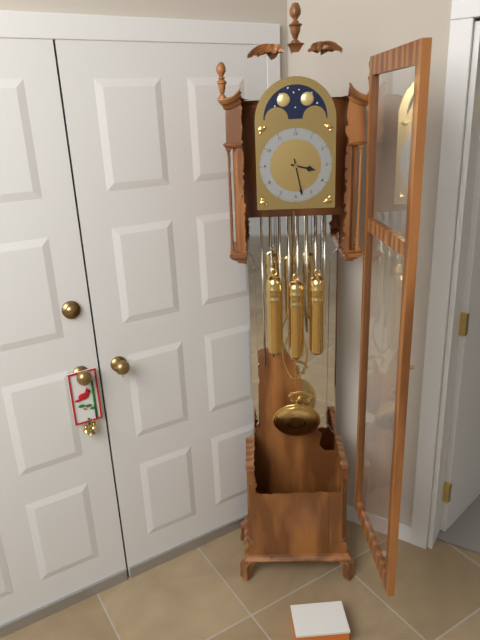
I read {"hour": 3, "minute": 28}
